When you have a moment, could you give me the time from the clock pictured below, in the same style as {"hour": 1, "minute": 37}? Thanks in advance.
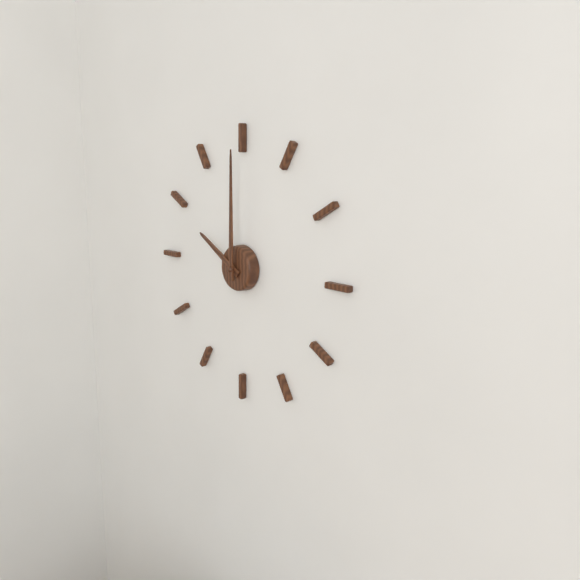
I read {"hour": 10, "minute": 0}
